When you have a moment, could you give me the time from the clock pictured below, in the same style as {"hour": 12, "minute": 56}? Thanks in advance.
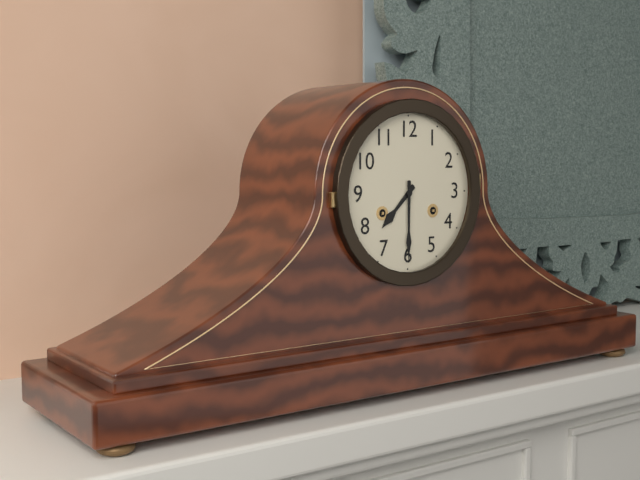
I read {"hour": 7, "minute": 30}
